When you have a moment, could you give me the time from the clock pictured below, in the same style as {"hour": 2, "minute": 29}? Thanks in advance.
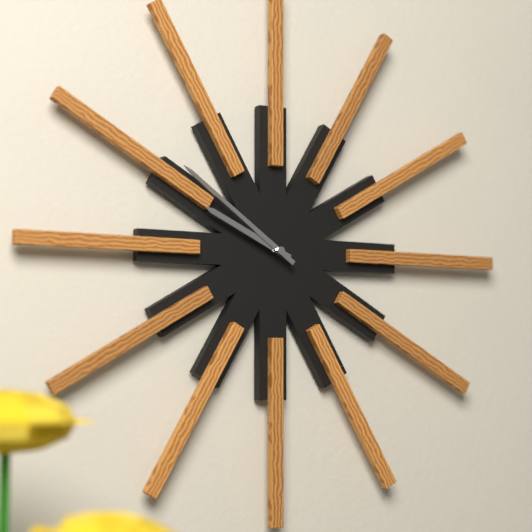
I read {"hour": 9, "minute": 51}
